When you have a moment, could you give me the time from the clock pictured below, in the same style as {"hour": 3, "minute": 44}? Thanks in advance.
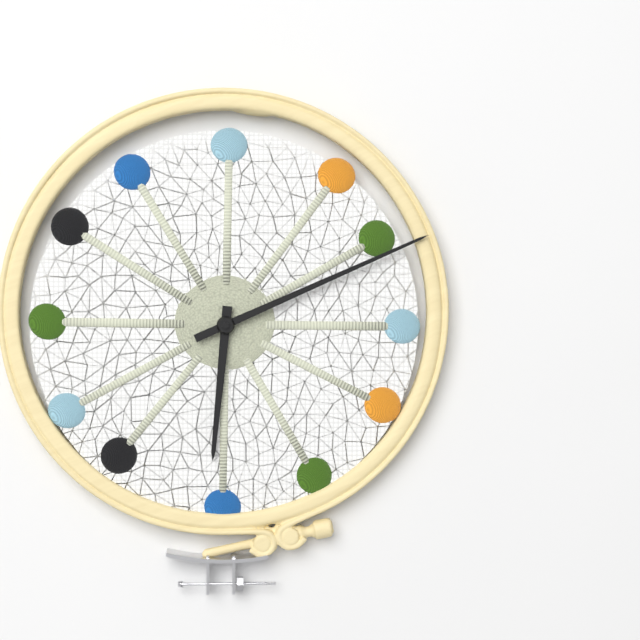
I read {"hour": 6, "minute": 11}
